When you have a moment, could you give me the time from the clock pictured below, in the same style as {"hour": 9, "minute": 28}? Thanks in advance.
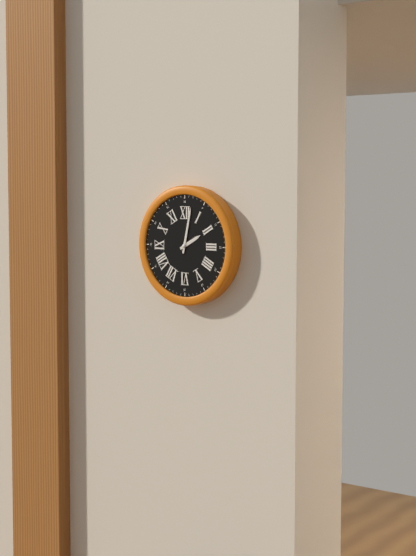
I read {"hour": 2, "minute": 2}
